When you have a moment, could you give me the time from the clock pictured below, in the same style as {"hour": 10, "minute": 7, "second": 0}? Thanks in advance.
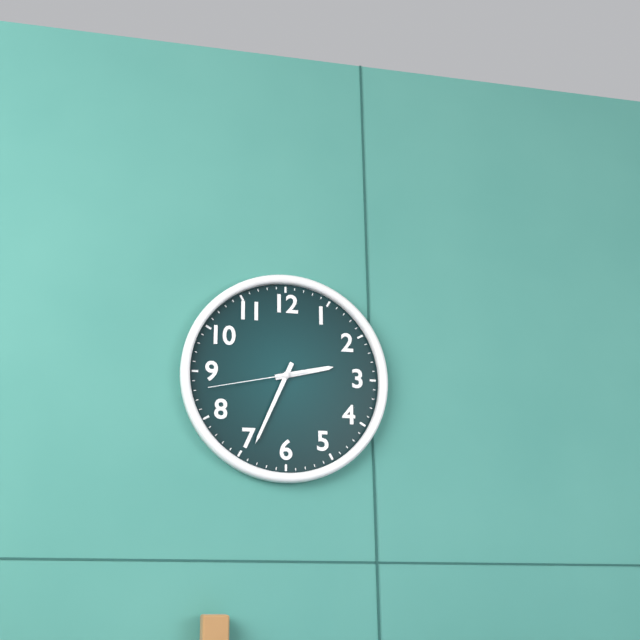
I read {"hour": 2, "minute": 34, "second": 43}
